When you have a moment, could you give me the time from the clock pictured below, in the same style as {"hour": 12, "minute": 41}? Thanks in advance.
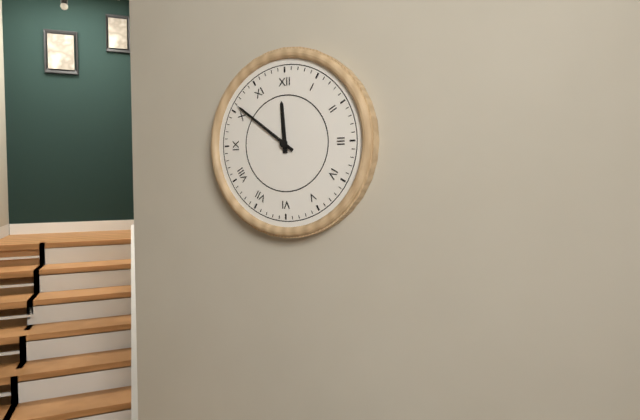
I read {"hour": 11, "minute": 51}
